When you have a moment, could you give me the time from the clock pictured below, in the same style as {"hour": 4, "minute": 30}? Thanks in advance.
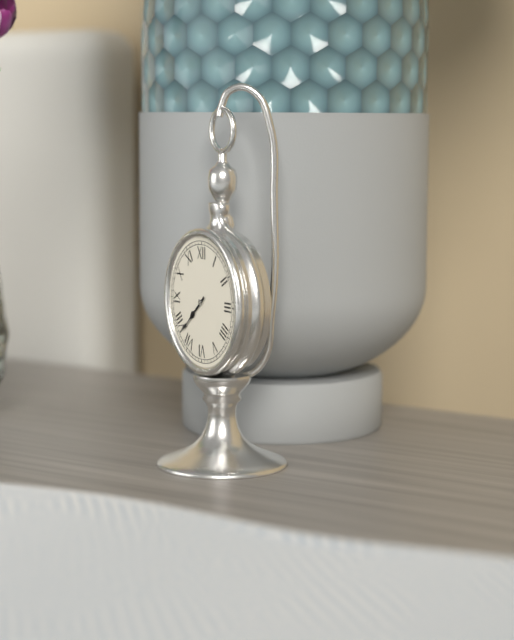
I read {"hour": 7, "minute": 38}
